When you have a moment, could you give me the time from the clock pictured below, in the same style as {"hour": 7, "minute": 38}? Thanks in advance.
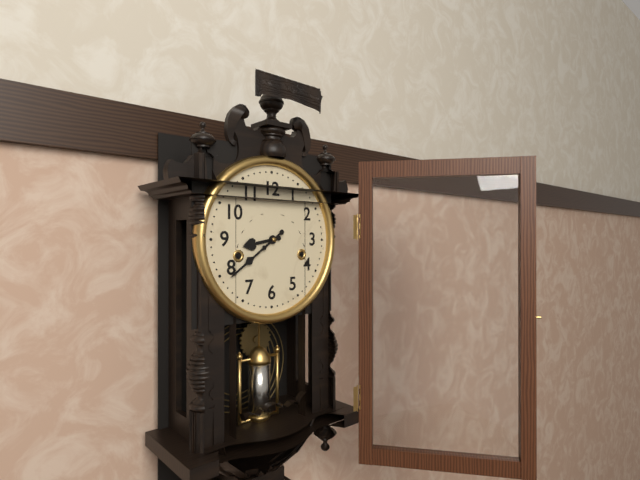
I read {"hour": 8, "minute": 39}
